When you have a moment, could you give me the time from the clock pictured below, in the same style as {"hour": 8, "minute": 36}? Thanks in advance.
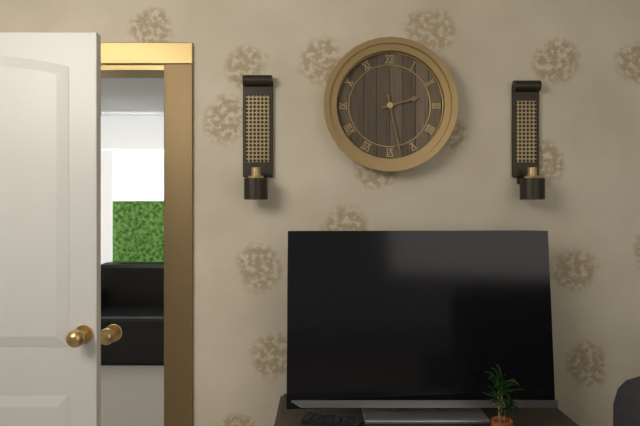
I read {"hour": 2, "minute": 28}
